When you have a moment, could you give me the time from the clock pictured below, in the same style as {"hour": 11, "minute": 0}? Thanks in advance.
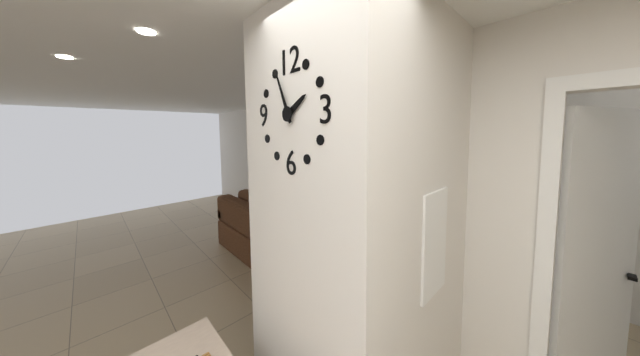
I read {"hour": 1, "minute": 56}
